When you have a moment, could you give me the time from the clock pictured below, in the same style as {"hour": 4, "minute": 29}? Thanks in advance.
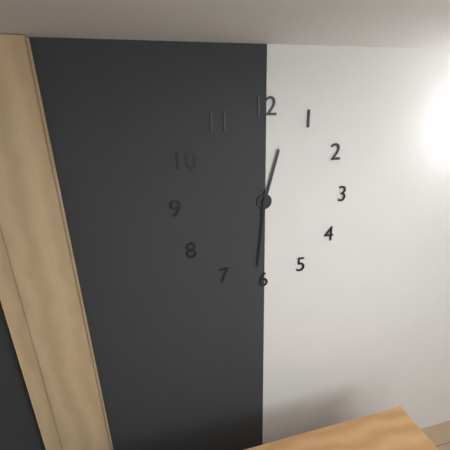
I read {"hour": 12, "minute": 31}
